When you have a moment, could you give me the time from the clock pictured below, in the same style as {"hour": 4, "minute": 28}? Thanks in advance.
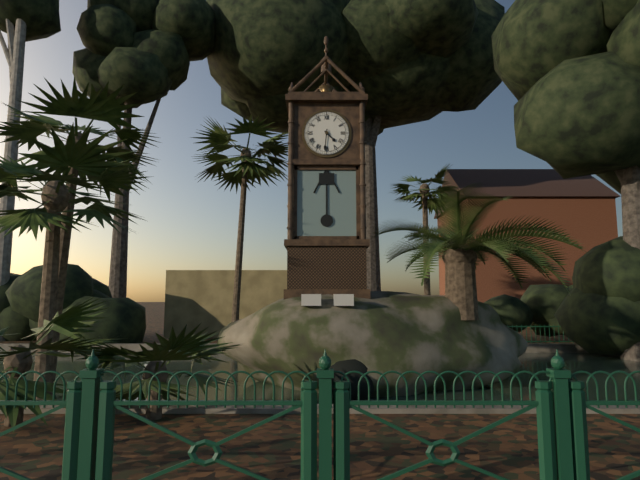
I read {"hour": 4, "minute": 31}
